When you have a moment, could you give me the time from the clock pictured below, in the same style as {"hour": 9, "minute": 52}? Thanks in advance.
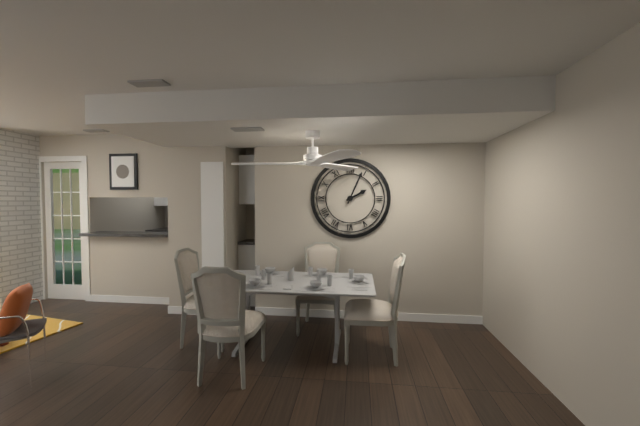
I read {"hour": 2, "minute": 4}
